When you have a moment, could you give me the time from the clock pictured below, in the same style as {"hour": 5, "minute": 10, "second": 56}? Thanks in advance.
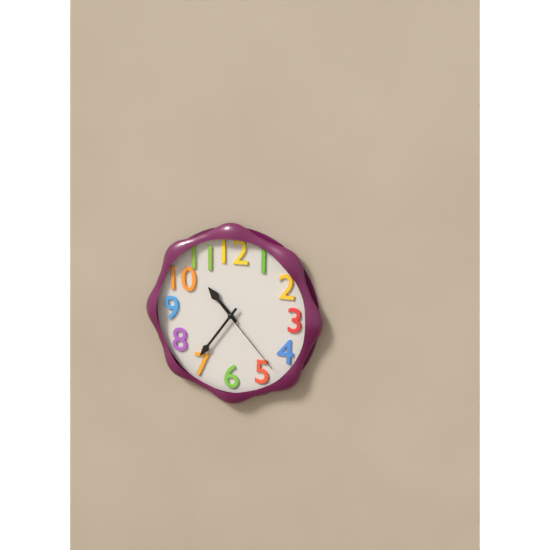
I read {"hour": 10, "minute": 36, "second": 23}
